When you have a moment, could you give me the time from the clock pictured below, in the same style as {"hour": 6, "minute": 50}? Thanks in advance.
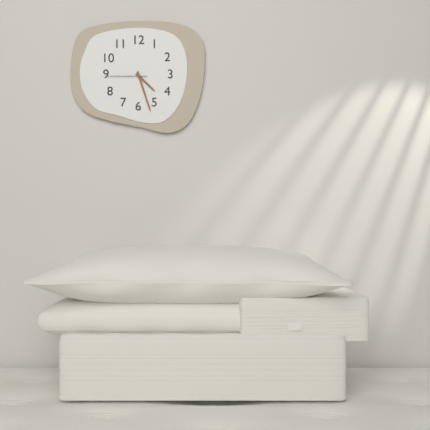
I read {"hour": 4, "minute": 27}
